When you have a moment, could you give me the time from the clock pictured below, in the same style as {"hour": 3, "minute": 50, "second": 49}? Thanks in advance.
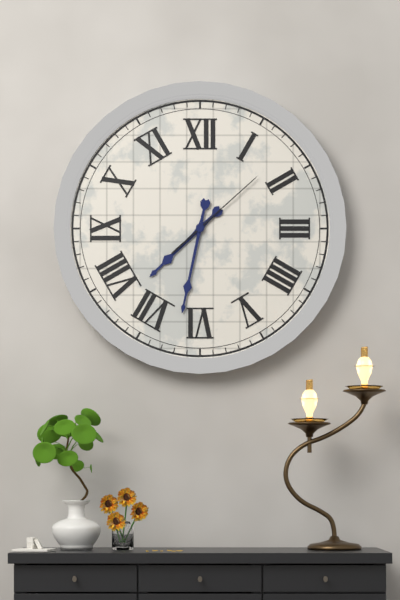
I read {"hour": 7, "minute": 32, "second": 8}
